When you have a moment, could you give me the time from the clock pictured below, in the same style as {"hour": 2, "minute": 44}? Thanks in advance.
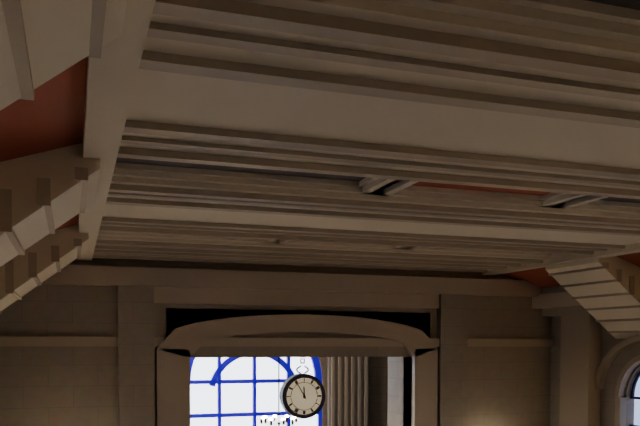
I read {"hour": 11, "minute": 55}
